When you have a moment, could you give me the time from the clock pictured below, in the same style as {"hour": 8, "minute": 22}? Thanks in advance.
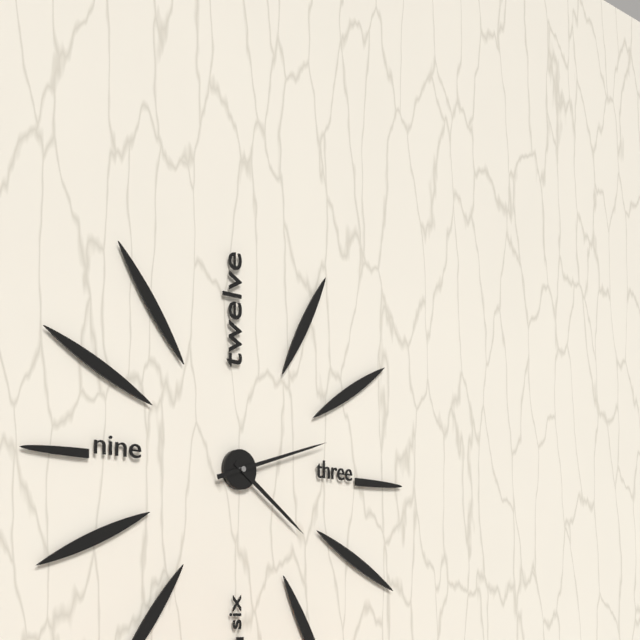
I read {"hour": 4, "minute": 12}
